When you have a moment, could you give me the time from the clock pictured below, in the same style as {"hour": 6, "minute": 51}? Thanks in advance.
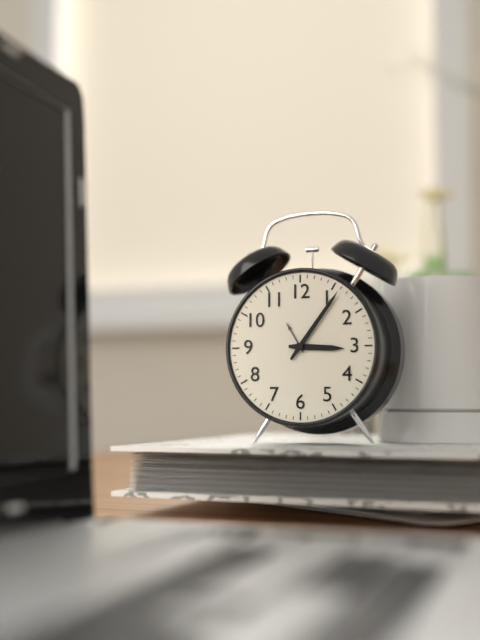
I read {"hour": 3, "minute": 6}
